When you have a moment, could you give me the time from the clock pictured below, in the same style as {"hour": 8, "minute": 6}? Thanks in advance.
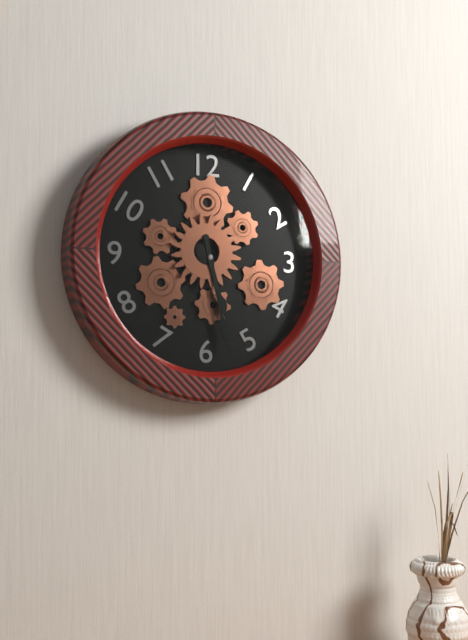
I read {"hour": 5, "minute": 28}
